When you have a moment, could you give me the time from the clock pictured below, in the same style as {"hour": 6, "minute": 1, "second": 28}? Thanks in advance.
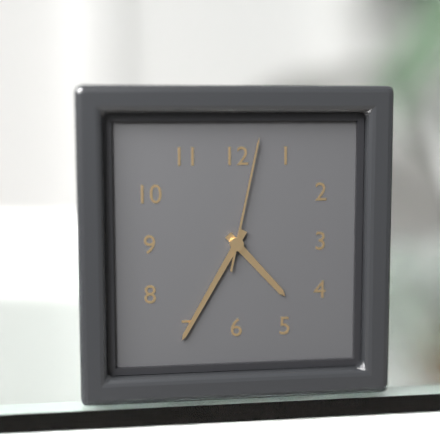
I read {"hour": 4, "minute": 35, "second": 2}
